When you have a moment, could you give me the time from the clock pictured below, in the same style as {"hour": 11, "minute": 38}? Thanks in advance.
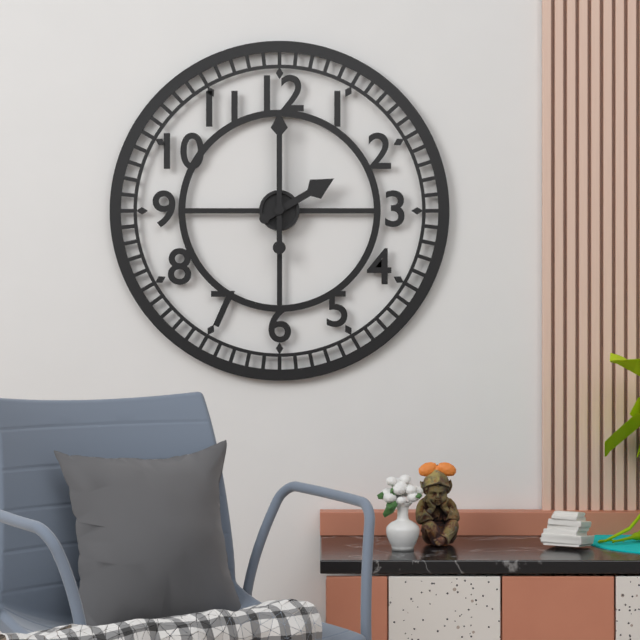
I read {"hour": 2, "minute": 0}
